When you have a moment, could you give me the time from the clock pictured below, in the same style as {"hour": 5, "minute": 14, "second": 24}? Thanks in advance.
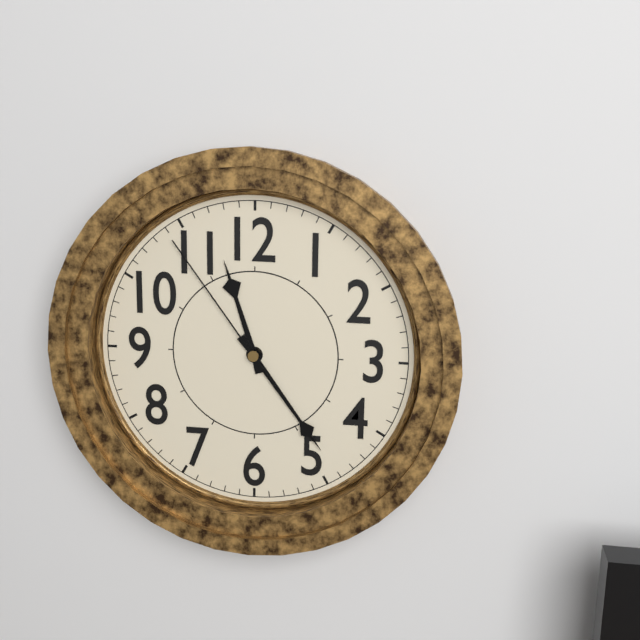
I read {"hour": 11, "minute": 24, "second": 54}
